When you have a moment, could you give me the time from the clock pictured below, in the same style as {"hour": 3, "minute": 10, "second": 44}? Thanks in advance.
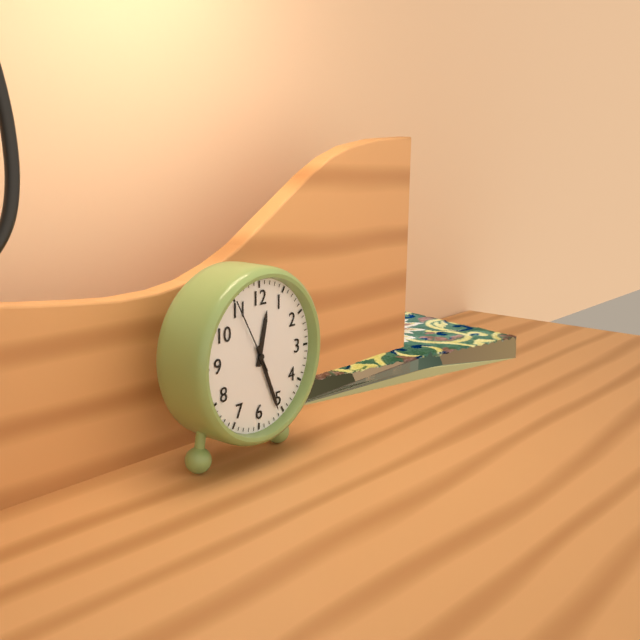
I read {"hour": 12, "minute": 26, "second": 55}
